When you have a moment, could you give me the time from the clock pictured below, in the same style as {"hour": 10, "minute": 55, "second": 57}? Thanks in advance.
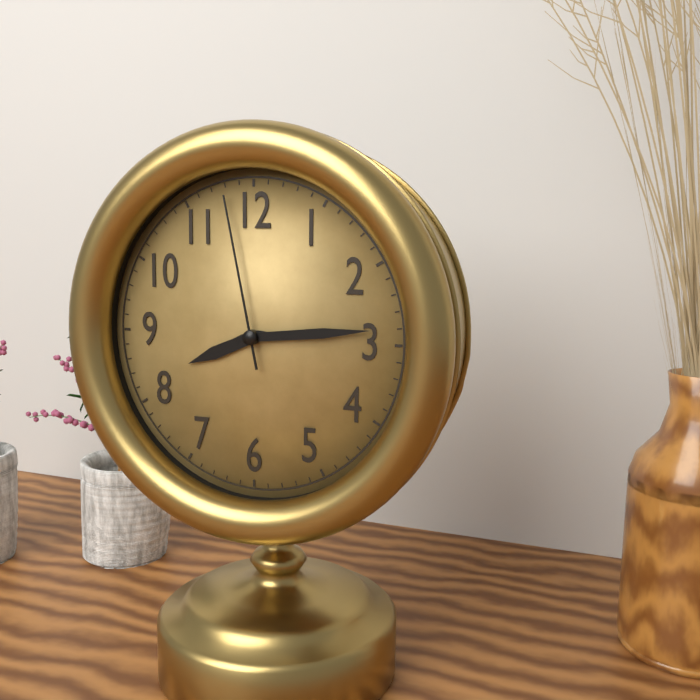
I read {"hour": 8, "minute": 14, "second": 58}
